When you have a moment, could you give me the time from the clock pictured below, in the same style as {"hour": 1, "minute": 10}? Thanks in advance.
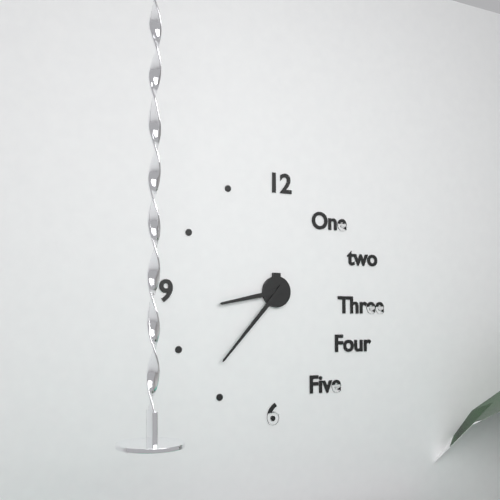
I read {"hour": 8, "minute": 37}
